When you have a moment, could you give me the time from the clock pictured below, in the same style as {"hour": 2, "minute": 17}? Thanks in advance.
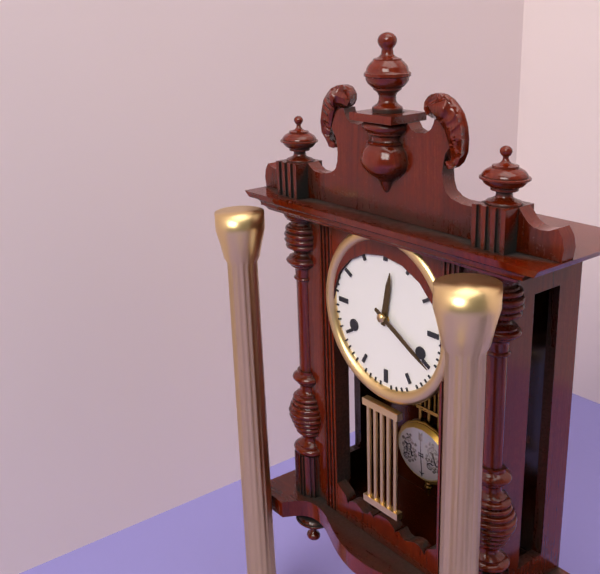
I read {"hour": 12, "minute": 20}
